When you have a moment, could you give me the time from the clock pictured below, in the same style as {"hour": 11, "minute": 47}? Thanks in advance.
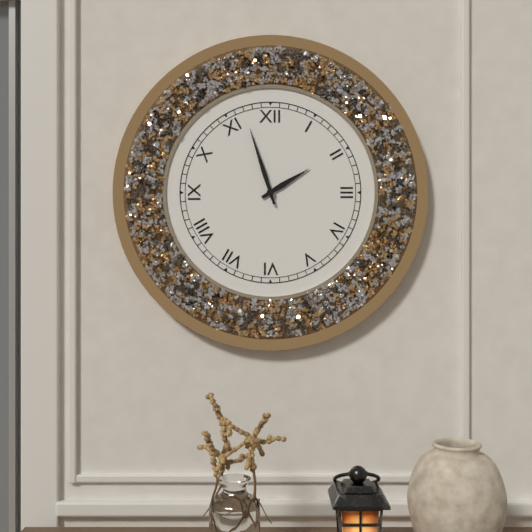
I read {"hour": 1, "minute": 57}
